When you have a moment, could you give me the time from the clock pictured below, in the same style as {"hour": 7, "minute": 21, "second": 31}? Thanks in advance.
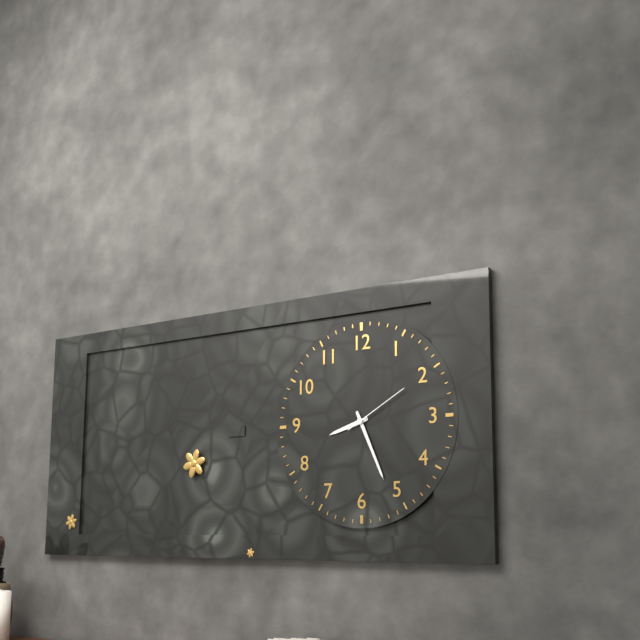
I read {"hour": 8, "minute": 26, "second": 10}
